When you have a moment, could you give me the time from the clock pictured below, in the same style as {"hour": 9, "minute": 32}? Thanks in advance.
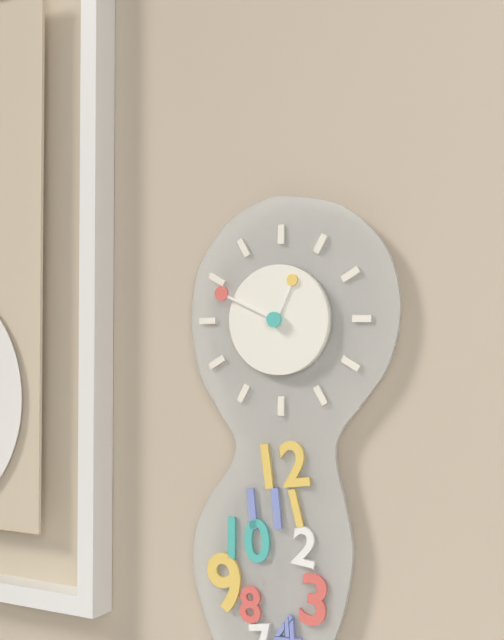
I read {"hour": 12, "minute": 49}
